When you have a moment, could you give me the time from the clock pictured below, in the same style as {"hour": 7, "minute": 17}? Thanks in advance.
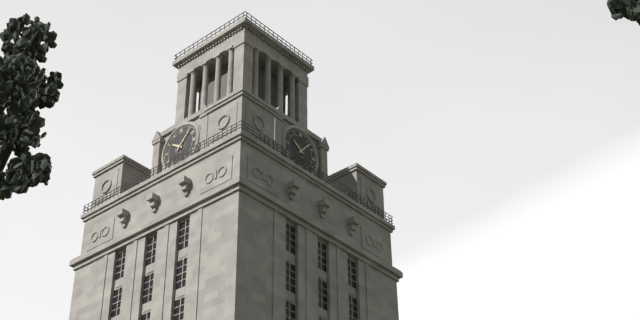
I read {"hour": 10, "minute": 7}
